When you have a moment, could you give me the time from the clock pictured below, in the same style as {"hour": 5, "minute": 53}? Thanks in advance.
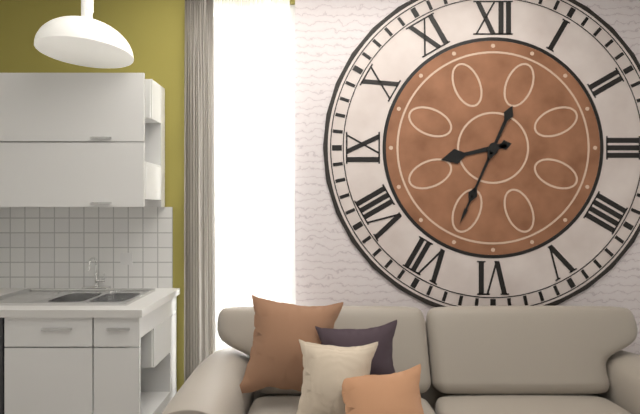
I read {"hour": 8, "minute": 34}
